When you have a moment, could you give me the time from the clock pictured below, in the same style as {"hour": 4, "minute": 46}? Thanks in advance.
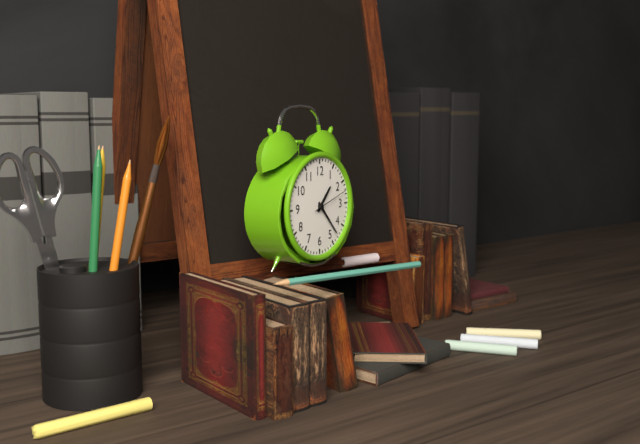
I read {"hour": 1, "minute": 23}
